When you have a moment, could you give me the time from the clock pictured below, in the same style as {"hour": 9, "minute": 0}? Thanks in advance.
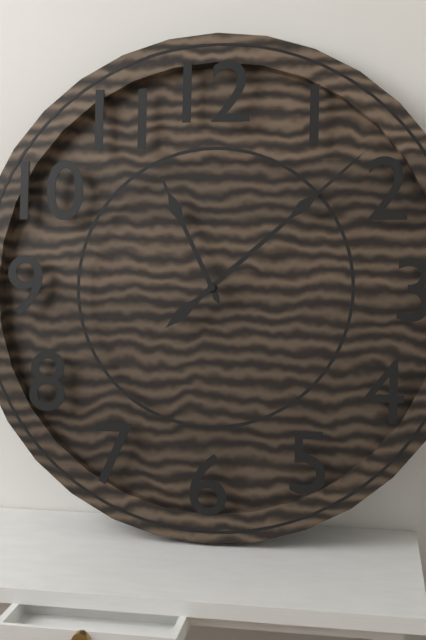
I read {"hour": 11, "minute": 8}
